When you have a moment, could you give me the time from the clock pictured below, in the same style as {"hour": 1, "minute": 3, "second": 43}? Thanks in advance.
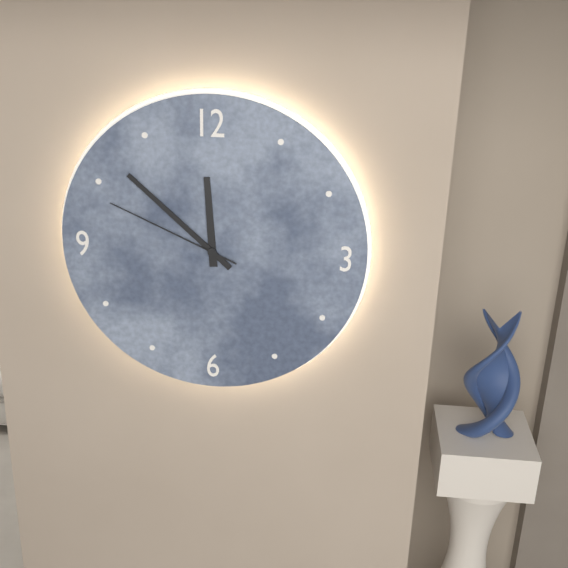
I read {"hour": 11, "minute": 52, "second": 49}
